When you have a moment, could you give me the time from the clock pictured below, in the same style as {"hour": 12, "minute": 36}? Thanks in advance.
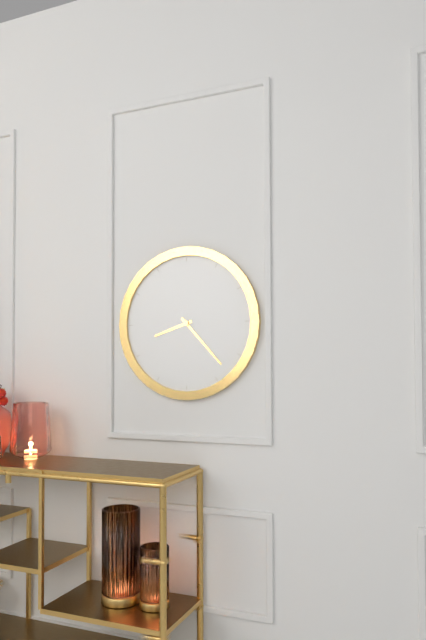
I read {"hour": 8, "minute": 23}
